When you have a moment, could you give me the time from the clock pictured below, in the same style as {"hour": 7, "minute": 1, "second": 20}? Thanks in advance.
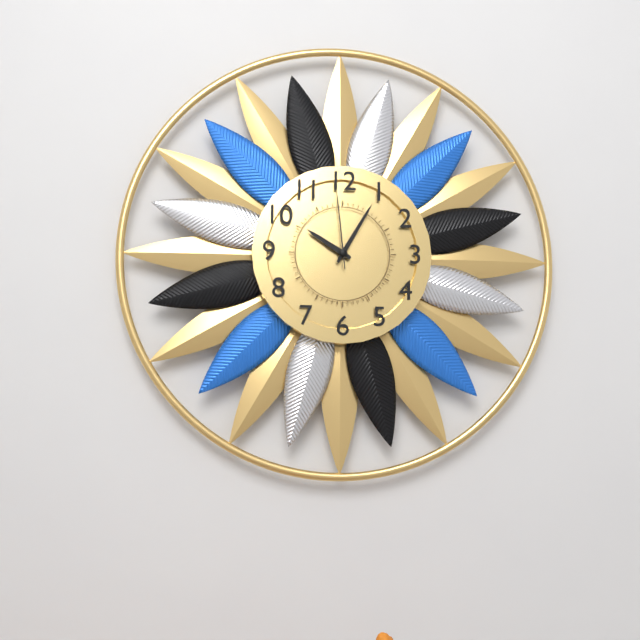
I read {"hour": 10, "minute": 5, "second": 59}
